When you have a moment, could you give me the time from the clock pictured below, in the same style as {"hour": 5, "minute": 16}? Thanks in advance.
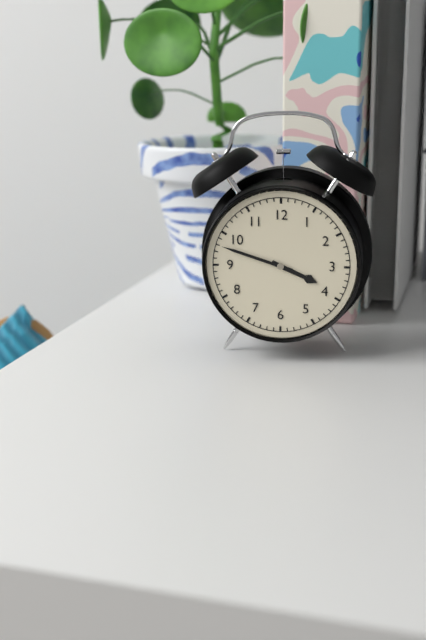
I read {"hour": 3, "minute": 48}
